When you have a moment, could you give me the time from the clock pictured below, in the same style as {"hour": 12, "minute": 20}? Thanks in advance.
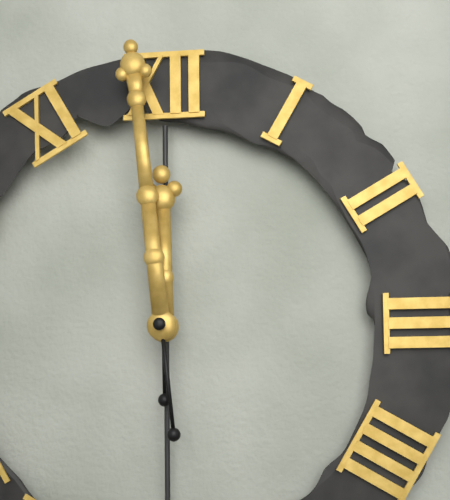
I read {"hour": 11, "minute": 59}
